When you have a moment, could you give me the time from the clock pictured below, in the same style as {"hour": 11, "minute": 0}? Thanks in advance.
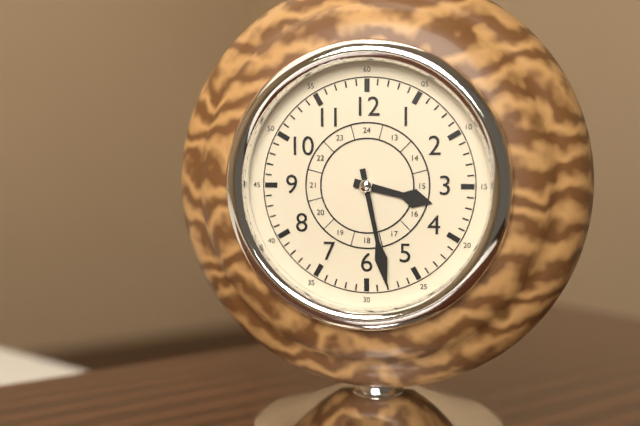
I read {"hour": 3, "minute": 28}
